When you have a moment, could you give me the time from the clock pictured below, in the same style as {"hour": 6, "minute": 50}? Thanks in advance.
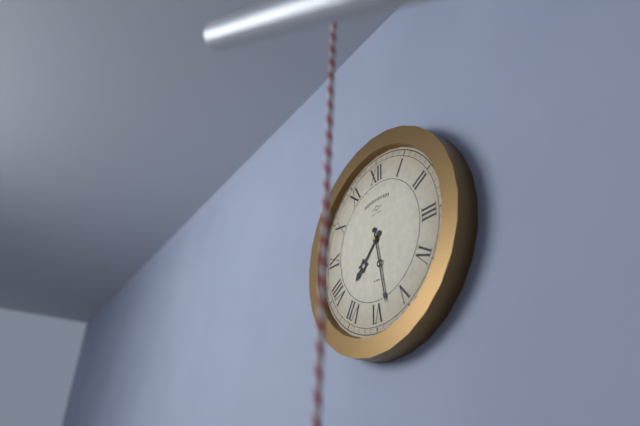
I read {"hour": 7, "minute": 28}
